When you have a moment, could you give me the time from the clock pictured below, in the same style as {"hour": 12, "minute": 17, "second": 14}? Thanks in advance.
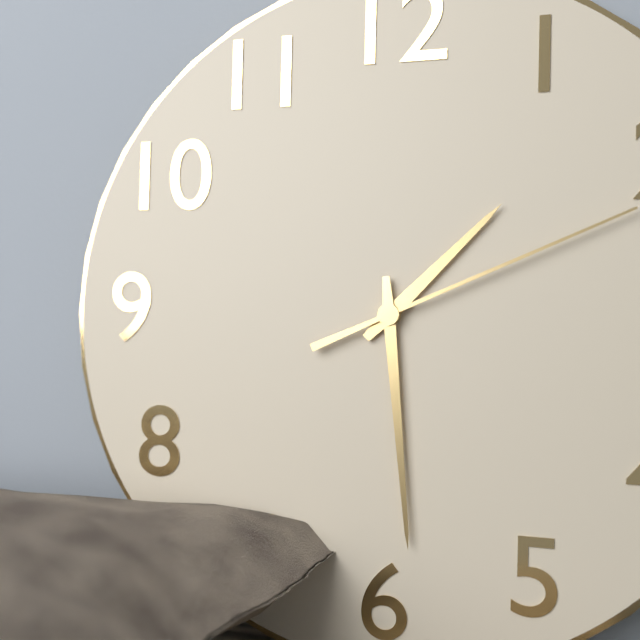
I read {"hour": 1, "minute": 29, "second": 11}
